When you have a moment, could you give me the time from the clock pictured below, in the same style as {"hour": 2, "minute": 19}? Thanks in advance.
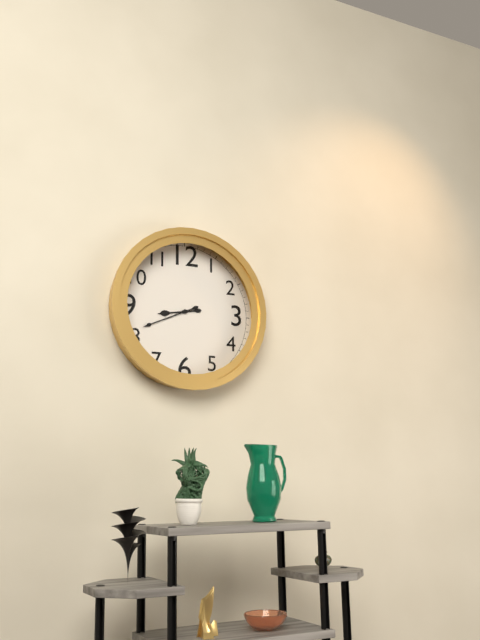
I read {"hour": 8, "minute": 41}
